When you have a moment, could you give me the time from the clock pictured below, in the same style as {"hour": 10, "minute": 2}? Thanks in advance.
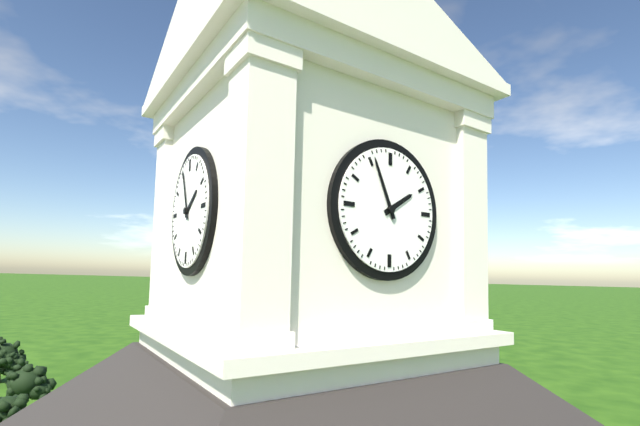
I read {"hour": 1, "minute": 56}
